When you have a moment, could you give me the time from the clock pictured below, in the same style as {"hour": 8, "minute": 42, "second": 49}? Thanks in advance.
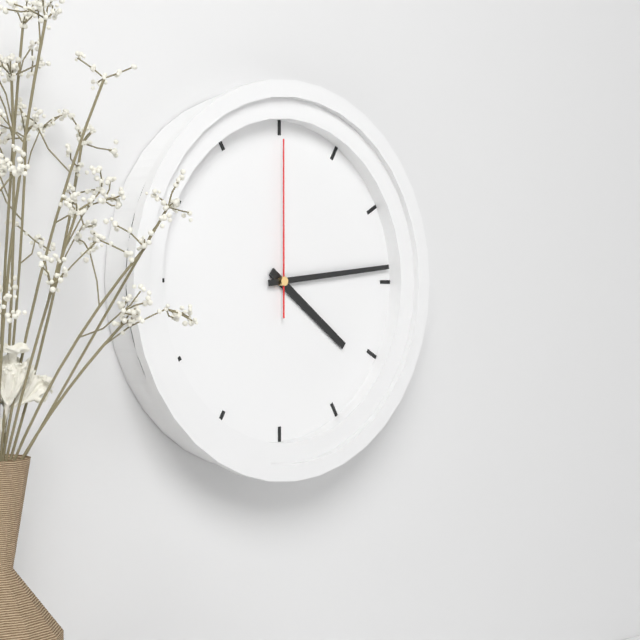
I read {"hour": 4, "minute": 14, "second": 0}
